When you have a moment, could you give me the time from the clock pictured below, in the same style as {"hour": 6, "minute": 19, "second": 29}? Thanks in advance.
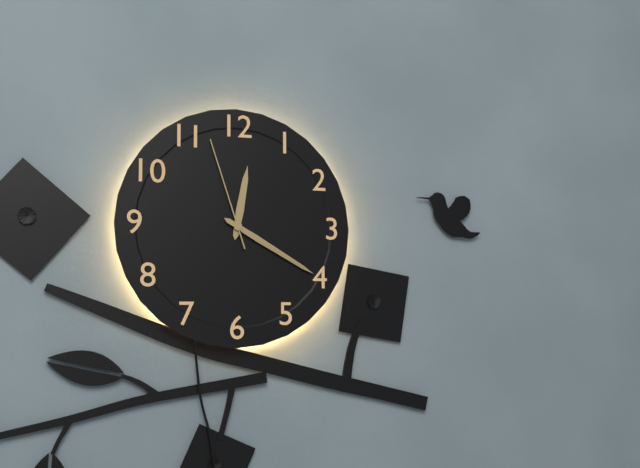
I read {"hour": 12, "minute": 20, "second": 57}
